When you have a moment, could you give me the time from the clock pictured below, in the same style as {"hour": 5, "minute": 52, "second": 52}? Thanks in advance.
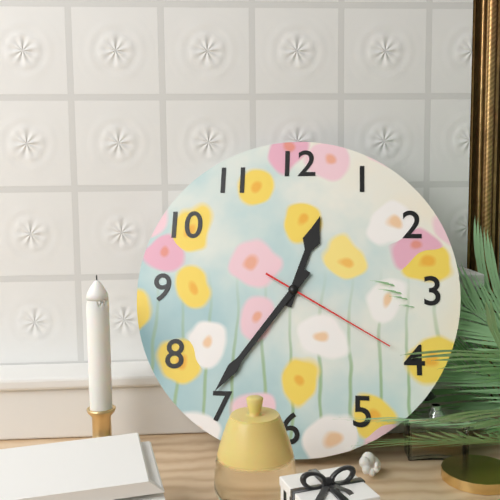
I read {"hour": 12, "minute": 36, "second": 20}
